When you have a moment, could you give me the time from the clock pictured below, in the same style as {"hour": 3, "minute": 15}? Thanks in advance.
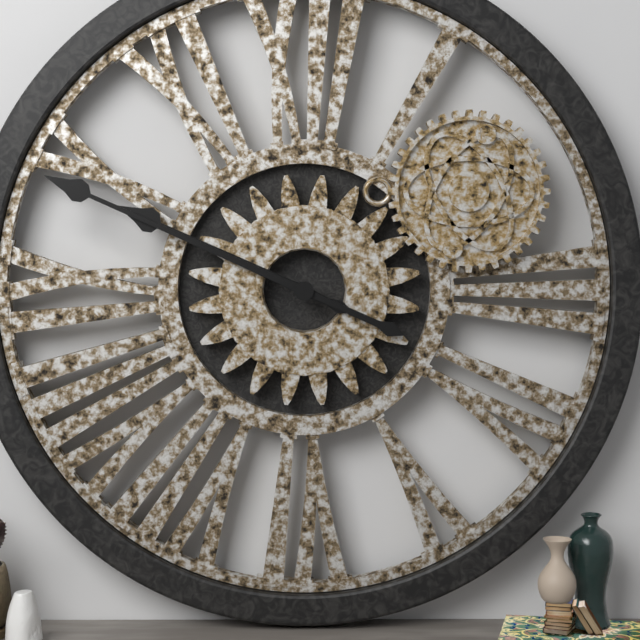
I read {"hour": 9, "minute": 49}
